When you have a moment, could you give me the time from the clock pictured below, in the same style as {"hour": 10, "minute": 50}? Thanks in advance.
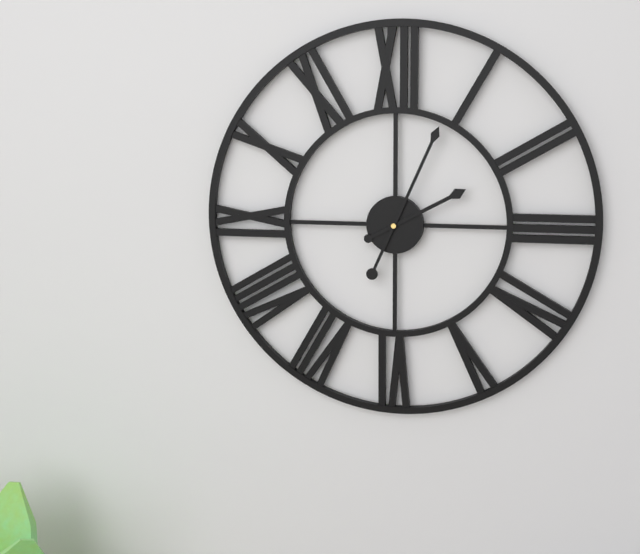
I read {"hour": 2, "minute": 4}
